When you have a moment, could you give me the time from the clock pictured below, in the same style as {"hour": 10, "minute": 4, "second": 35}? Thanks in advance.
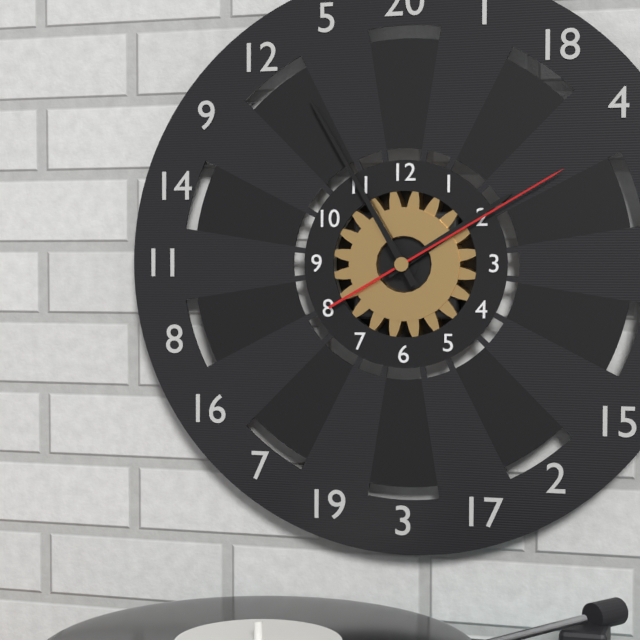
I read {"hour": 1, "minute": 55, "second": 10}
